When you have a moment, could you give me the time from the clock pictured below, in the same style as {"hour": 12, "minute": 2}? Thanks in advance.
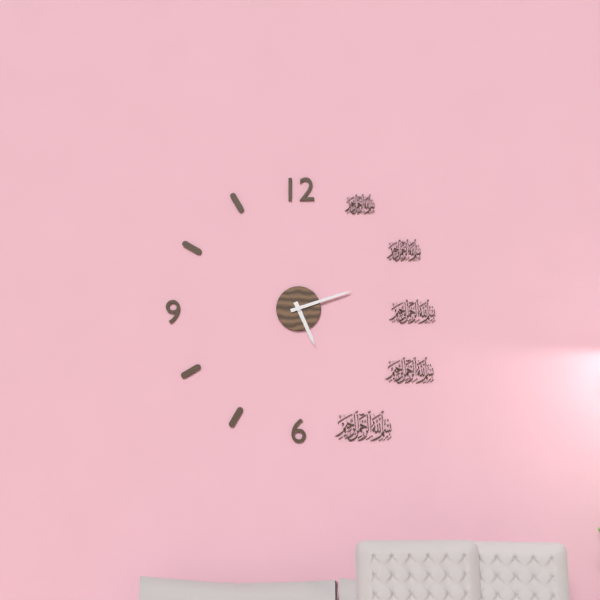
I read {"hour": 5, "minute": 12}
